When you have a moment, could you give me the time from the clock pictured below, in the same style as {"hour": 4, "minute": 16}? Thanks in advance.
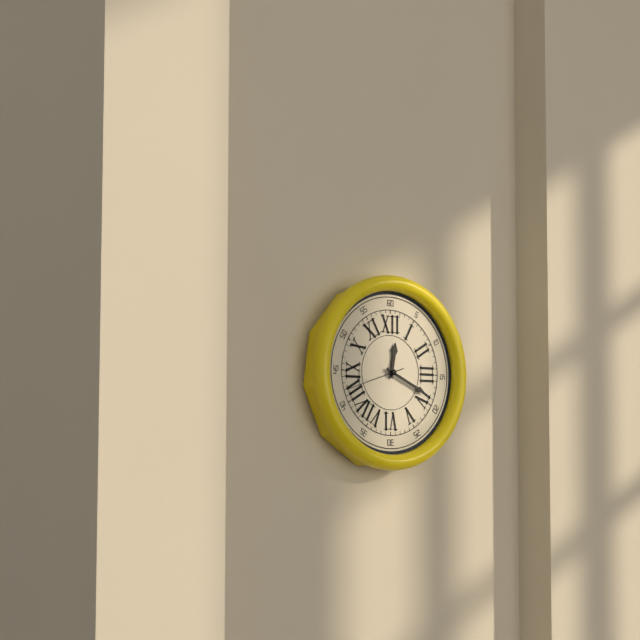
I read {"hour": 12, "minute": 19}
